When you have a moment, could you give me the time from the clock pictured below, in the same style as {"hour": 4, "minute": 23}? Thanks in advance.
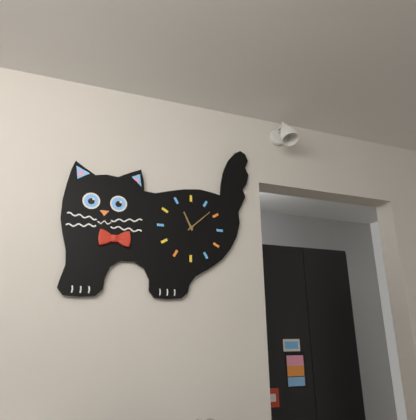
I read {"hour": 11, "minute": 8}
